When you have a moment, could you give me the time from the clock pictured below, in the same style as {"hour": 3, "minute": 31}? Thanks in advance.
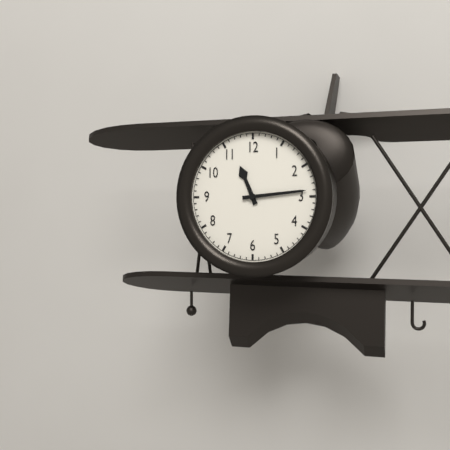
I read {"hour": 11, "minute": 14}
